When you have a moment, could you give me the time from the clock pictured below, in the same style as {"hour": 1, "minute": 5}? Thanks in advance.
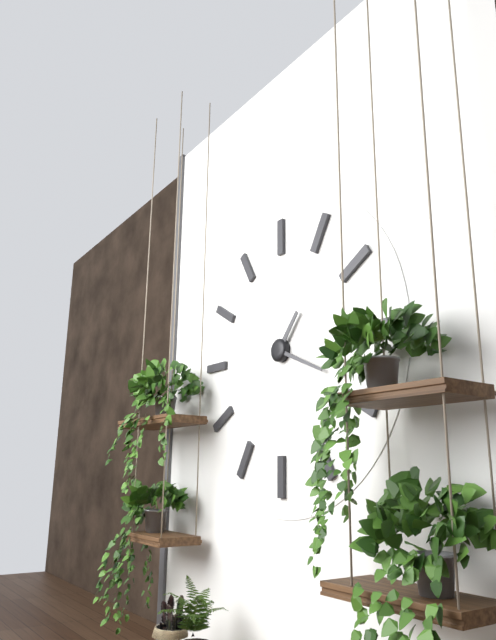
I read {"hour": 1, "minute": 19}
